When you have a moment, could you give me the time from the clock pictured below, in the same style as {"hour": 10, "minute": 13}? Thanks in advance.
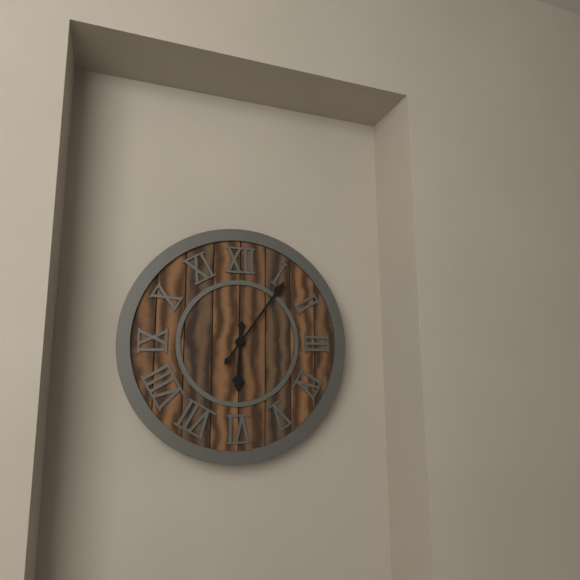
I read {"hour": 6, "minute": 6}
